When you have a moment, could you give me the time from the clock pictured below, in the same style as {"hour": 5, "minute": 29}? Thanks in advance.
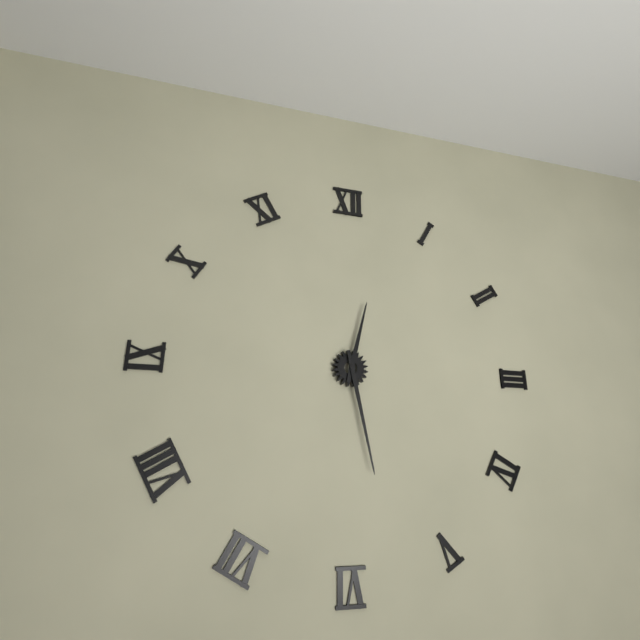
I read {"hour": 12, "minute": 28}
